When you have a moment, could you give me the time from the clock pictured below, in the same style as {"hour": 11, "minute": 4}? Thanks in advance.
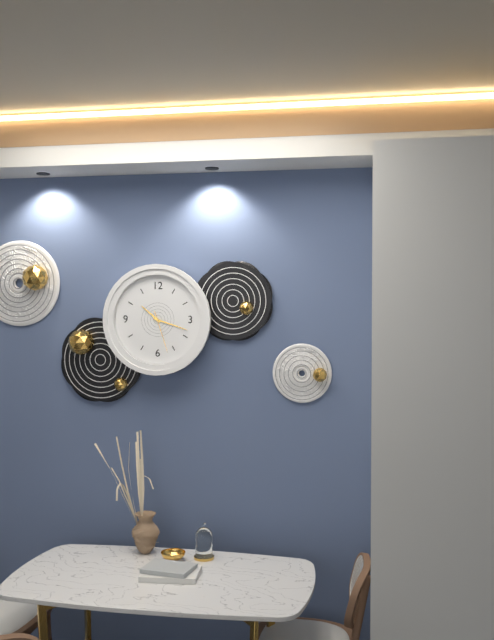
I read {"hour": 10, "minute": 18}
